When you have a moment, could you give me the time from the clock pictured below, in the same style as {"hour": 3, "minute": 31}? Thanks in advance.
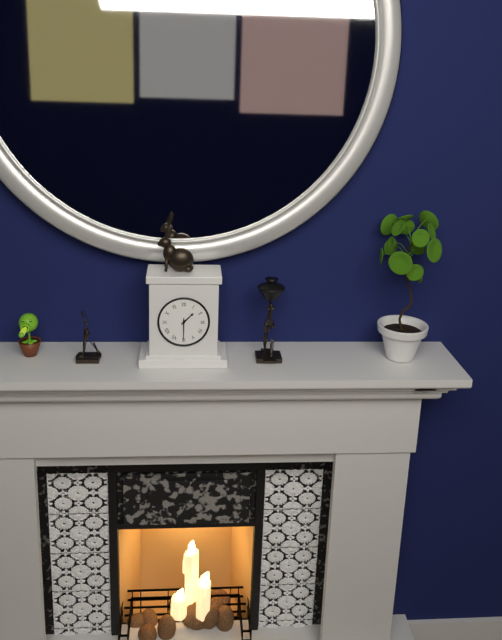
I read {"hour": 1, "minute": 30}
